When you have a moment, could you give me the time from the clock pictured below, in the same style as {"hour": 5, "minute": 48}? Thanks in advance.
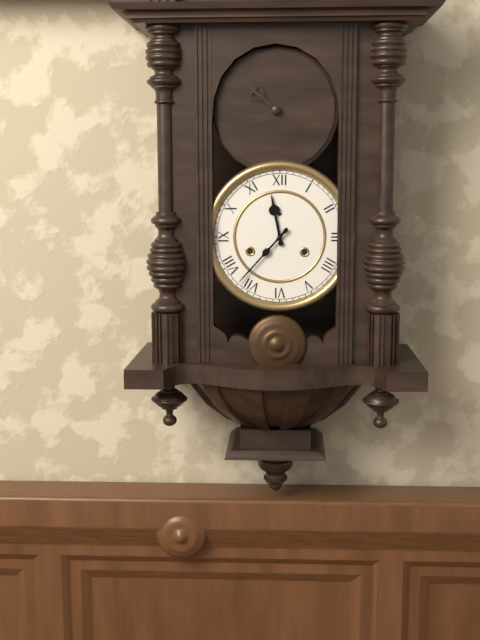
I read {"hour": 11, "minute": 37}
